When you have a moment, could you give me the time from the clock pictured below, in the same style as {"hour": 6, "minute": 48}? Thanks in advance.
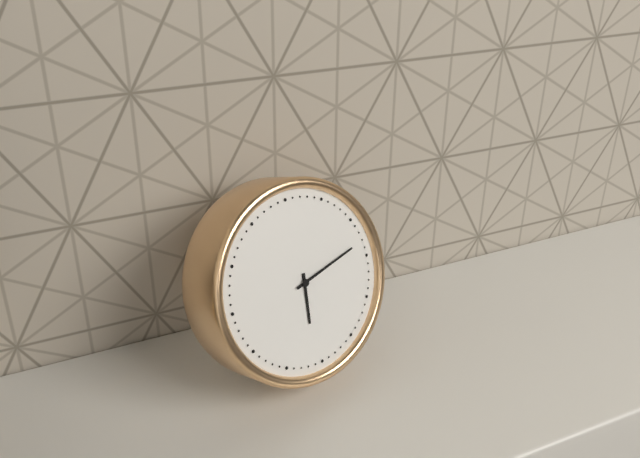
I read {"hour": 6, "minute": 13}
